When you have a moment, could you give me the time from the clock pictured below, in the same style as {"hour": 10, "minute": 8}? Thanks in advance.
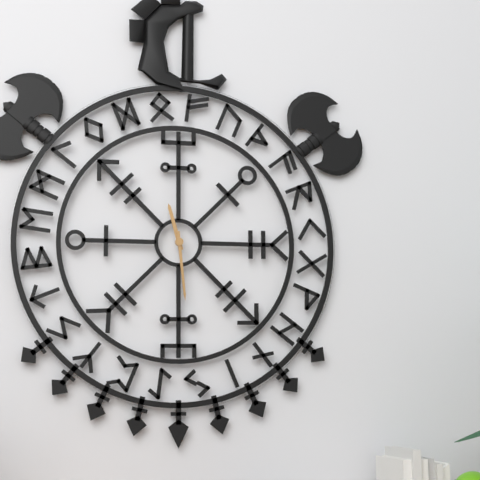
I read {"hour": 11, "minute": 29}
